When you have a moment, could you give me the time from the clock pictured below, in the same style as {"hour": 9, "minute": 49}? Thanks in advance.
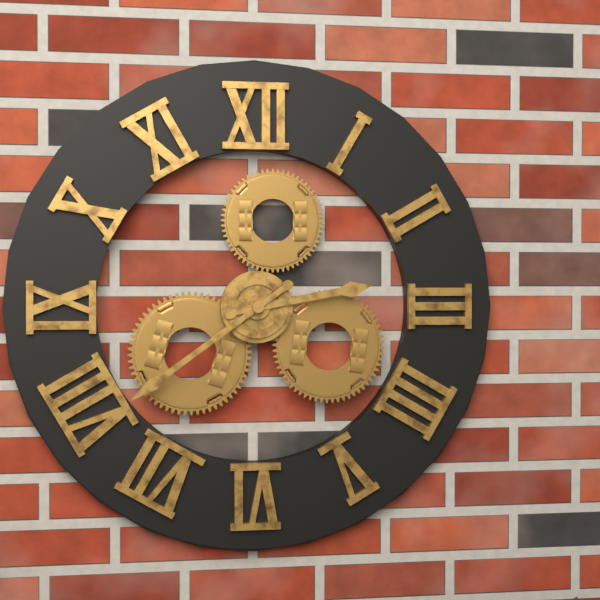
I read {"hour": 2, "minute": 39}
